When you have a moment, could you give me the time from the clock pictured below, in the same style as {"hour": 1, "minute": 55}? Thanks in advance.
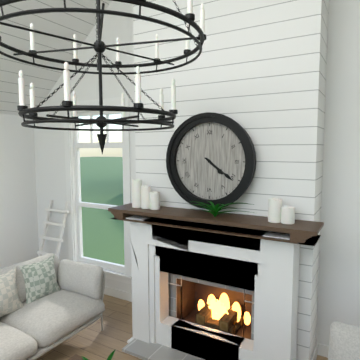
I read {"hour": 4, "minute": 21}
